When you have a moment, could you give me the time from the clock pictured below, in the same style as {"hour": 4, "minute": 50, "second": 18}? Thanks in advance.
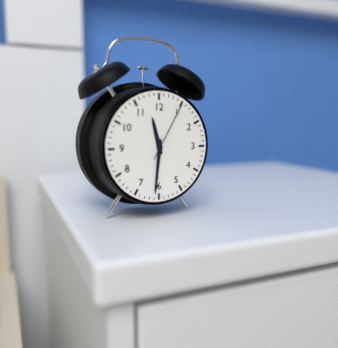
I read {"hour": 11, "minute": 31, "second": 5}
